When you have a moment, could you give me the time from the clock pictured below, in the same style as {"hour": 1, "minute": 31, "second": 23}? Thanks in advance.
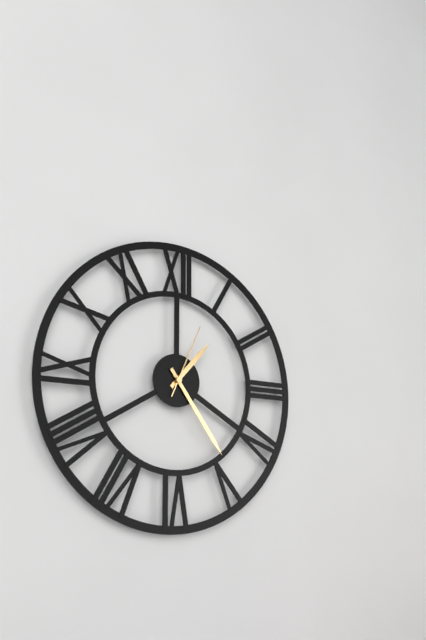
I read {"hour": 1, "minute": 24, "second": 4}
